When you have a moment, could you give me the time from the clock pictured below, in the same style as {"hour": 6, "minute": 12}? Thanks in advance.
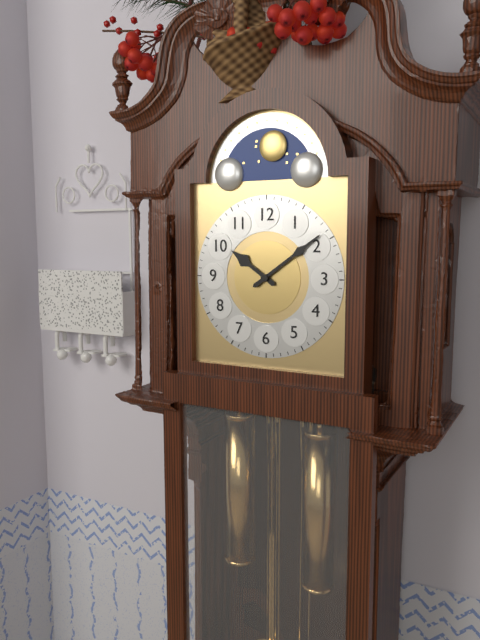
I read {"hour": 10, "minute": 9}
